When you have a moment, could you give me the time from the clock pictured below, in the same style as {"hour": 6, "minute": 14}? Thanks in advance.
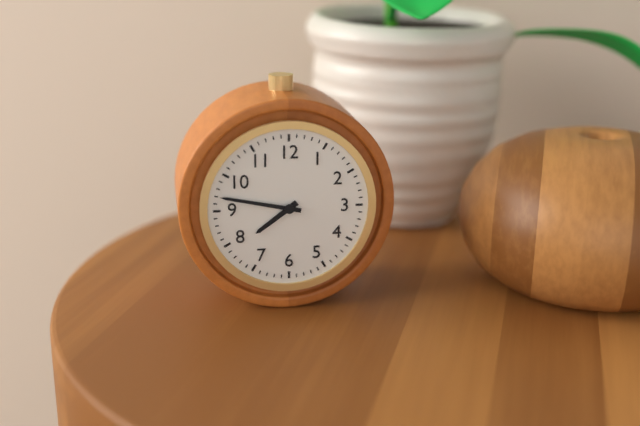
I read {"hour": 7, "minute": 47}
